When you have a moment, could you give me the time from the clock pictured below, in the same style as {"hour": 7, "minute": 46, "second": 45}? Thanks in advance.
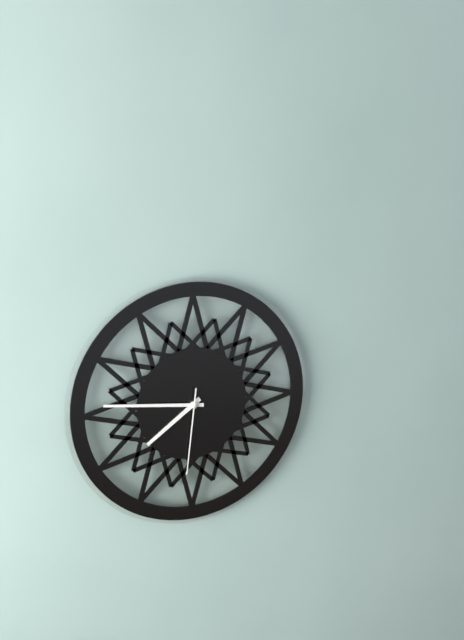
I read {"hour": 7, "minute": 46, "second": 31}
